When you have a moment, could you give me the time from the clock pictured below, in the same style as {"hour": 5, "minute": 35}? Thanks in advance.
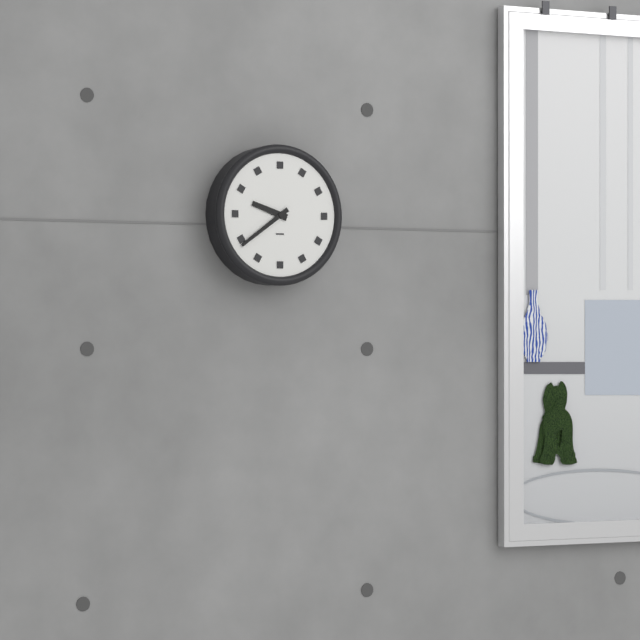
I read {"hour": 9, "minute": 39}
